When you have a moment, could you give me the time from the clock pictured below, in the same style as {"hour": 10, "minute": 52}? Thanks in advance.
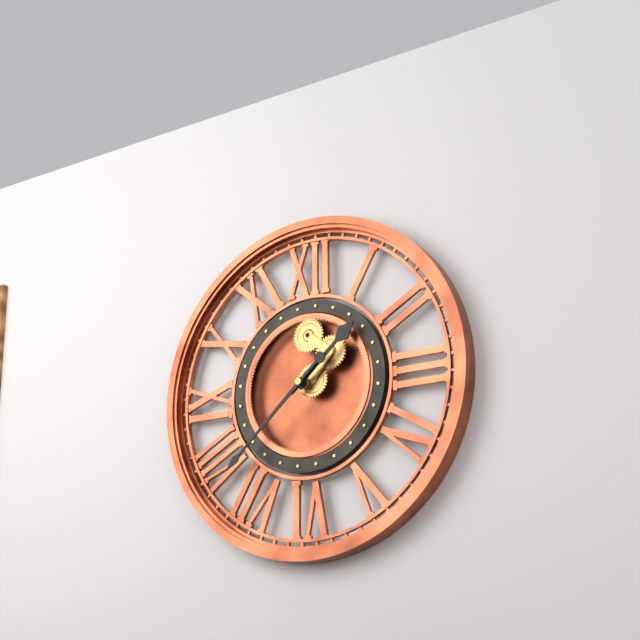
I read {"hour": 1, "minute": 38}
